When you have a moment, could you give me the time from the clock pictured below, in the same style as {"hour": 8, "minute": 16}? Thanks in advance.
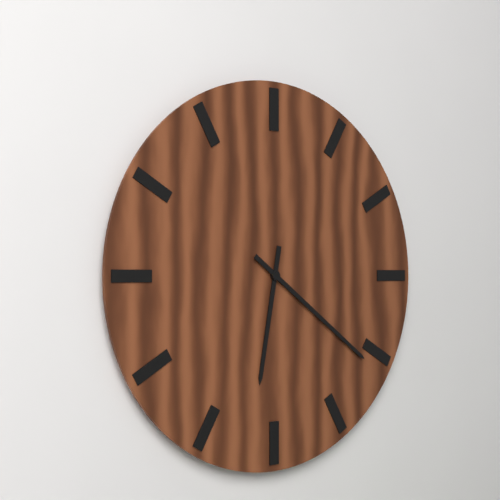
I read {"hour": 6, "minute": 21}
